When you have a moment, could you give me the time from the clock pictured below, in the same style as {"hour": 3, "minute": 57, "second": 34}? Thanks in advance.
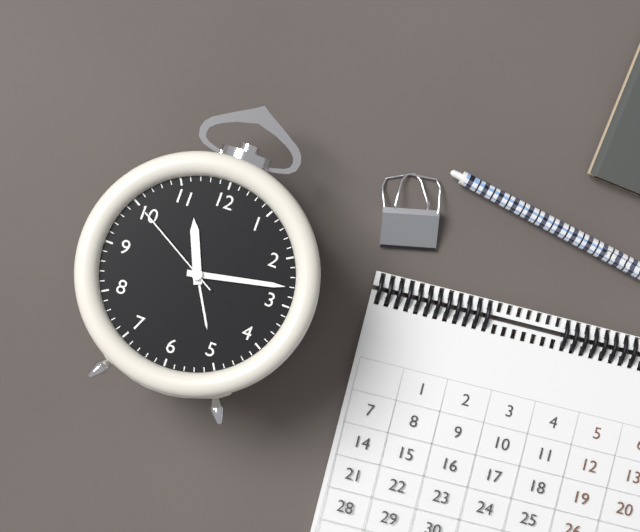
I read {"hour": 11, "minute": 13, "second": 50}
